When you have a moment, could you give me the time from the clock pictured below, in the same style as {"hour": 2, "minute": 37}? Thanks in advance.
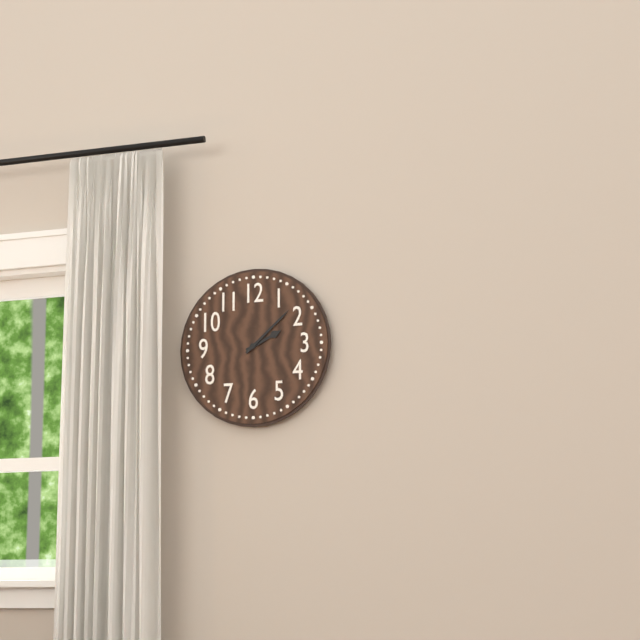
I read {"hour": 2, "minute": 8}
